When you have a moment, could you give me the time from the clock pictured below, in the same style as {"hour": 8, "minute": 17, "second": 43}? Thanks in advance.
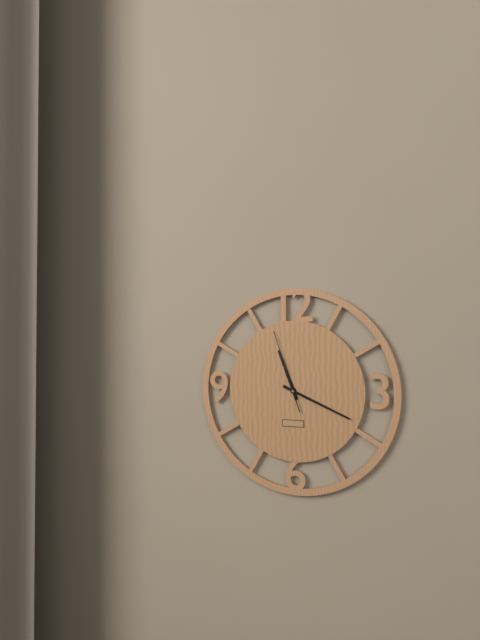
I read {"hour": 11, "minute": 19, "second": 57}
